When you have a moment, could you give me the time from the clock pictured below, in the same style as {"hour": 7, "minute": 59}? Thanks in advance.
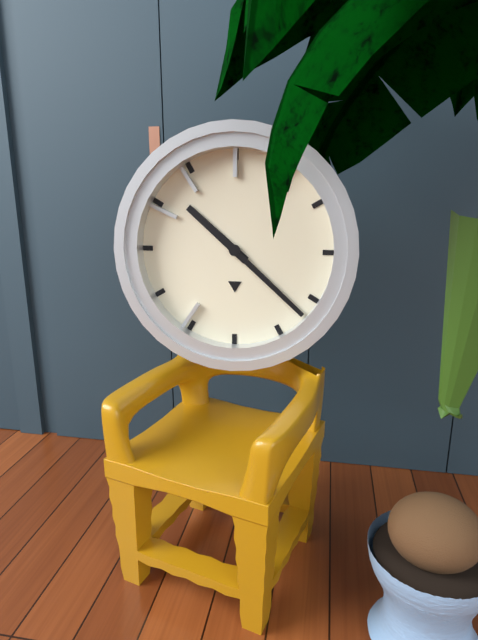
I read {"hour": 10, "minute": 22}
